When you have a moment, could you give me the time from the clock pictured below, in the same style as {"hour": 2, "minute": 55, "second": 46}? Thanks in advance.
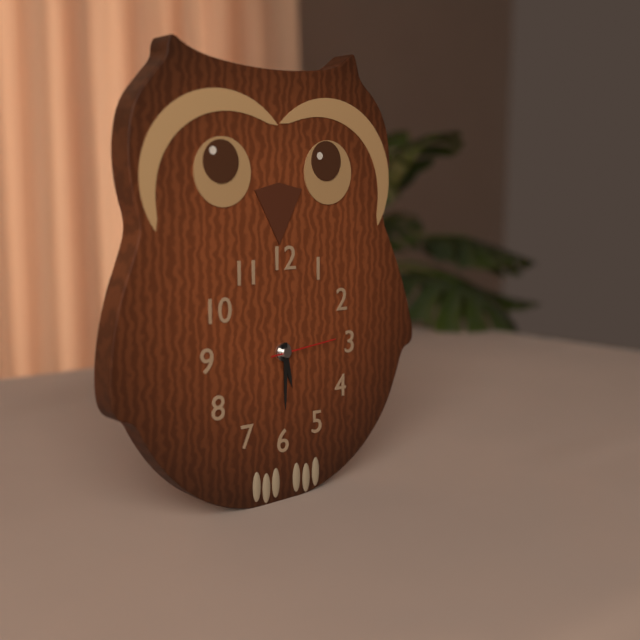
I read {"hour": 5, "minute": 30, "second": 14}
